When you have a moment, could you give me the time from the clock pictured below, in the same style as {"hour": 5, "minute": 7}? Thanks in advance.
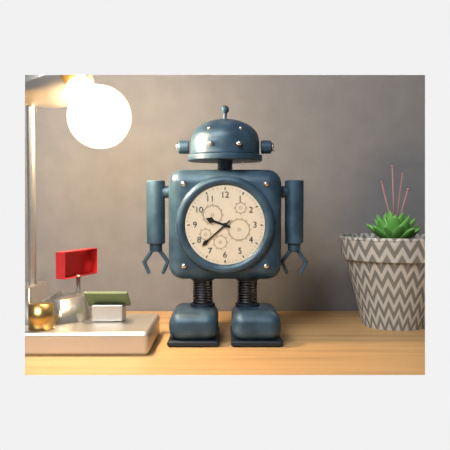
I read {"hour": 9, "minute": 38}
